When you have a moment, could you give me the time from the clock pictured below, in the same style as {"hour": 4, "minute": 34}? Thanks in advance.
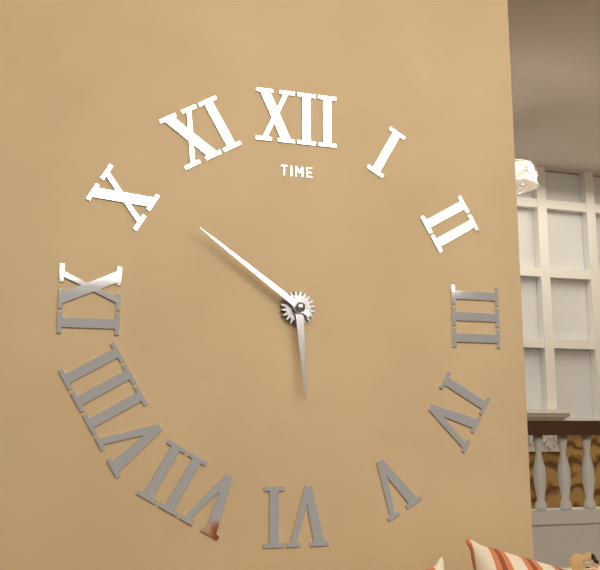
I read {"hour": 5, "minute": 51}
